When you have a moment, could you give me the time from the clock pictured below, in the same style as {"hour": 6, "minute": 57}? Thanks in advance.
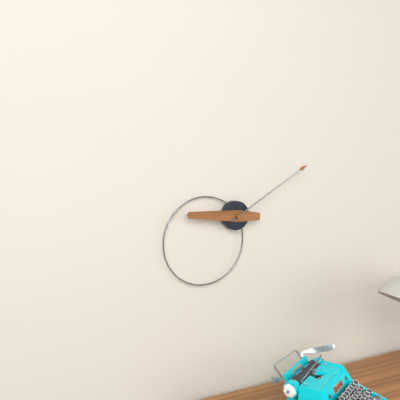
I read {"hour": 9, "minute": 10}
